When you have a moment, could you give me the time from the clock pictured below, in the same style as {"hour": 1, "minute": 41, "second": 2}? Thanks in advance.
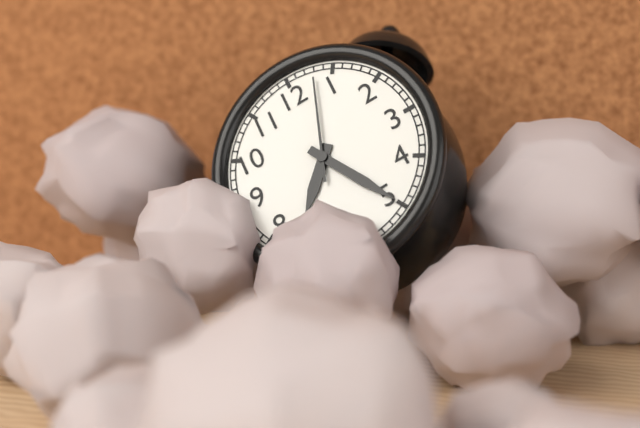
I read {"hour": 7, "minute": 25, "second": 3}
